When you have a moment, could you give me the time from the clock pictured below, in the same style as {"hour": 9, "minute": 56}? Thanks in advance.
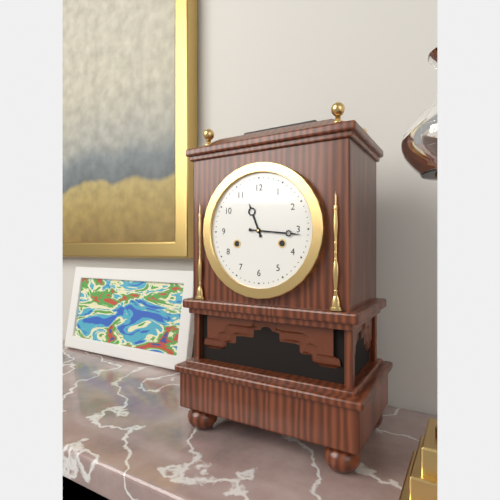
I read {"hour": 11, "minute": 16}
